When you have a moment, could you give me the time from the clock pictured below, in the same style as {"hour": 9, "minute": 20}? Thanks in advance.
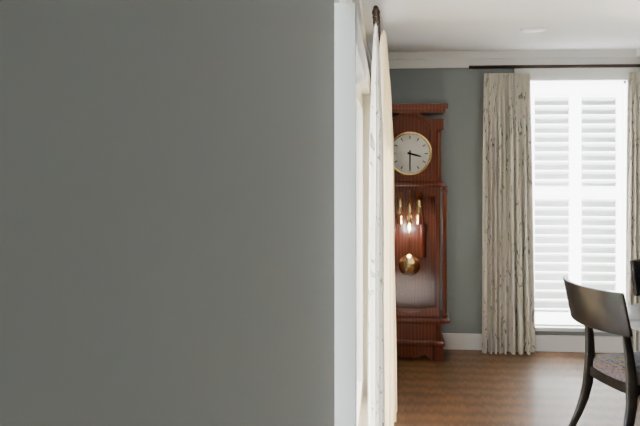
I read {"hour": 3, "minute": 30}
